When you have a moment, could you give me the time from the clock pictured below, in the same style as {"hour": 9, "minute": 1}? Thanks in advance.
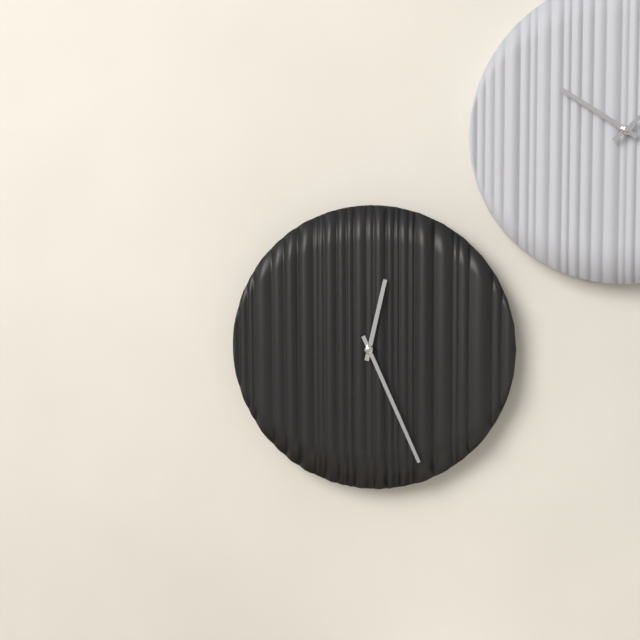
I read {"hour": 12, "minute": 26}
